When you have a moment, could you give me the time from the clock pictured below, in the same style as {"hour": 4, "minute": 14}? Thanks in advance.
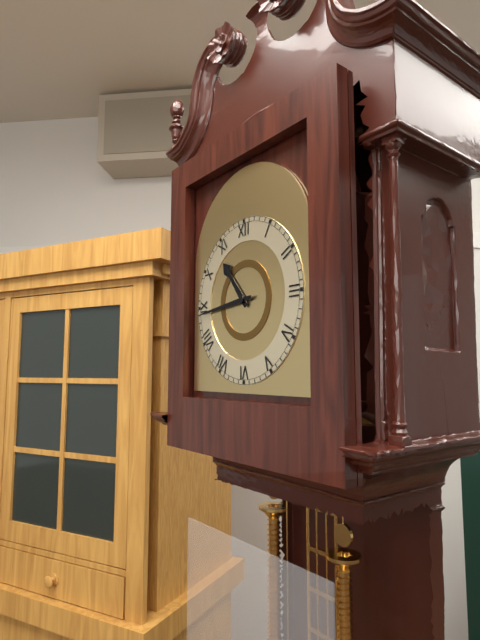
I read {"hour": 10, "minute": 44}
